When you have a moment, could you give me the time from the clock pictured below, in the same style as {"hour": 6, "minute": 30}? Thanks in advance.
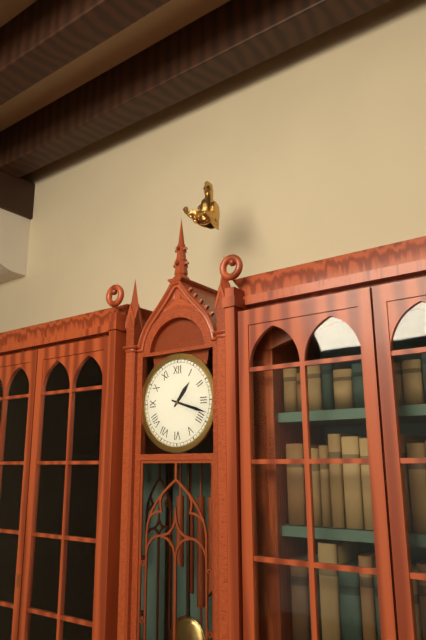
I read {"hour": 1, "minute": 18}
